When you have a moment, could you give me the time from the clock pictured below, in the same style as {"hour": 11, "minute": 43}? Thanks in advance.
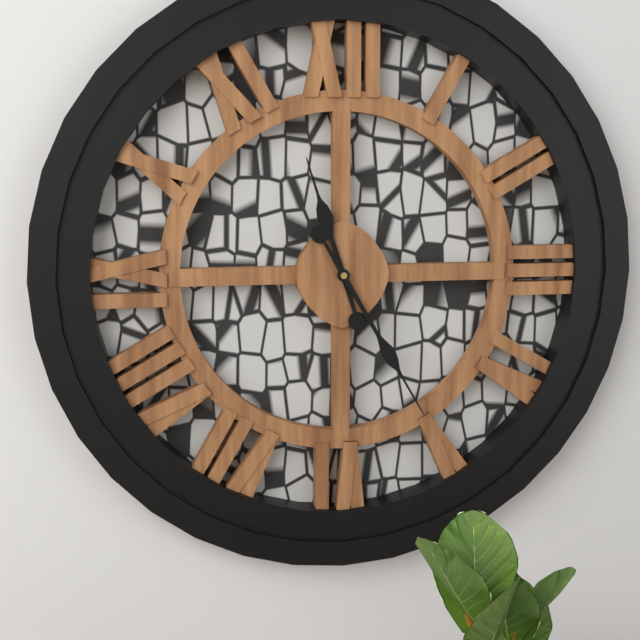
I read {"hour": 11, "minute": 25}
